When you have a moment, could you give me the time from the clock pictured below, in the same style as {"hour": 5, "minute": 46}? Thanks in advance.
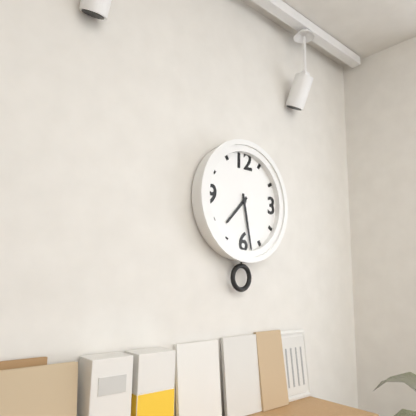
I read {"hour": 7, "minute": 28}
